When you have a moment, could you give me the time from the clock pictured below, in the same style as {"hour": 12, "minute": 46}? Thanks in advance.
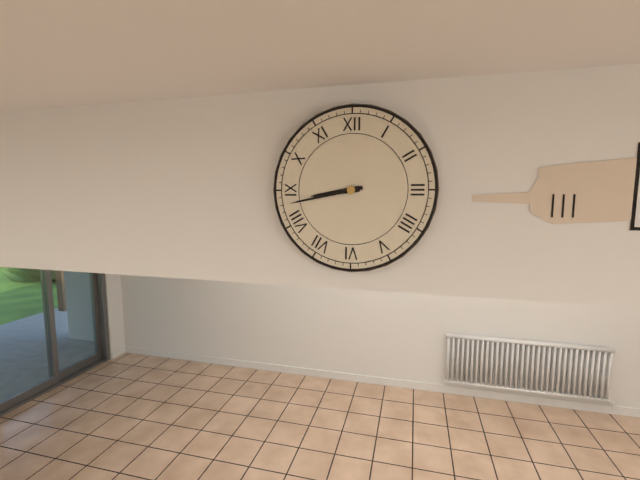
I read {"hour": 8, "minute": 43}
